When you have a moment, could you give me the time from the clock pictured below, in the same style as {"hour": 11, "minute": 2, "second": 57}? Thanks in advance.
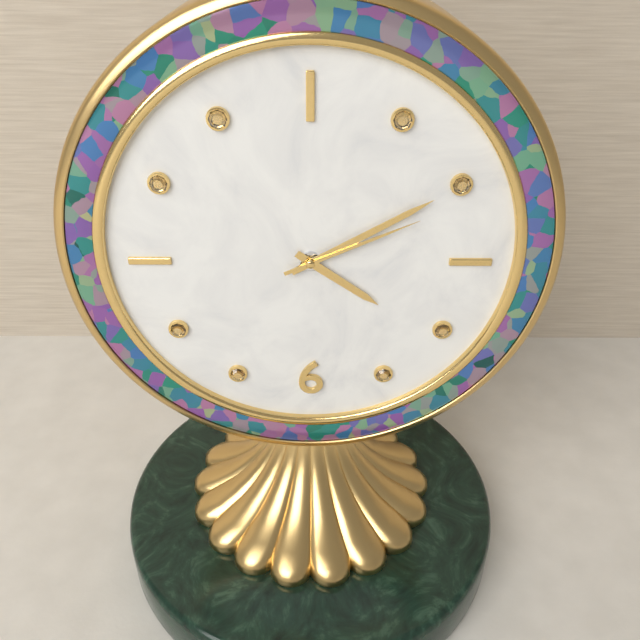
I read {"hour": 4, "minute": 10, "second": 11}
